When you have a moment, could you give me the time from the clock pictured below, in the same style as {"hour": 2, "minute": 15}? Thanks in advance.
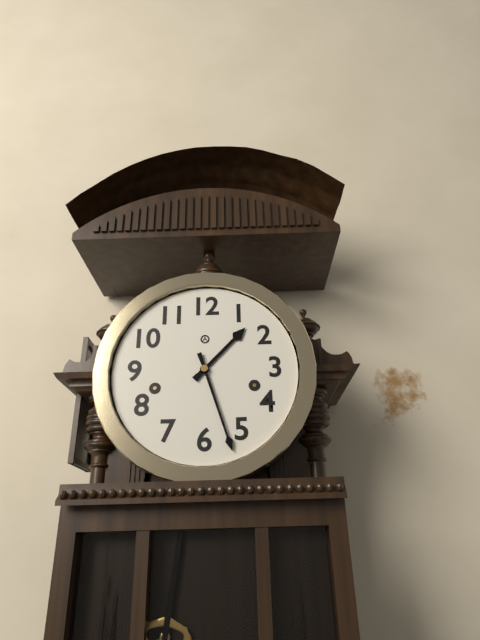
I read {"hour": 1, "minute": 27}
